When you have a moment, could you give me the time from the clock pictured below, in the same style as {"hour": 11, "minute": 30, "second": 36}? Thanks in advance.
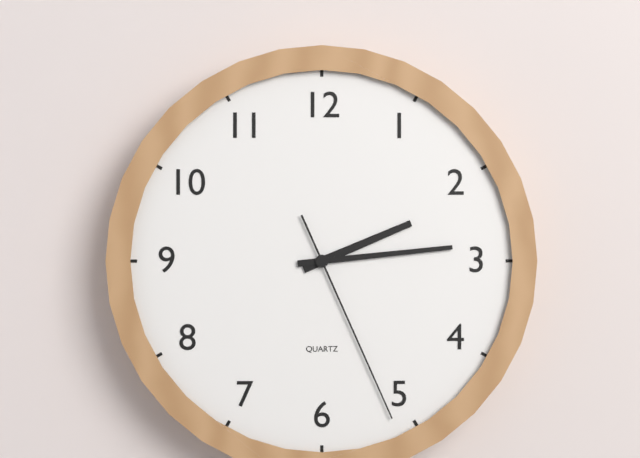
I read {"hour": 2, "minute": 14, "second": 26}
